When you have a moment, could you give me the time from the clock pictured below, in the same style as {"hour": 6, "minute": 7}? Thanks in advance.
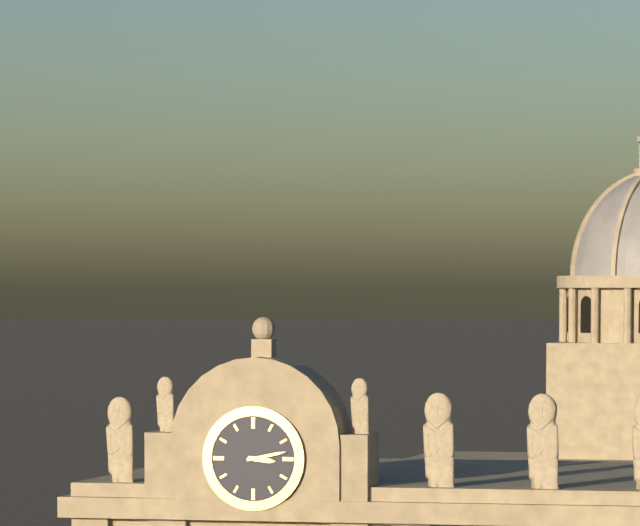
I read {"hour": 3, "minute": 13}
